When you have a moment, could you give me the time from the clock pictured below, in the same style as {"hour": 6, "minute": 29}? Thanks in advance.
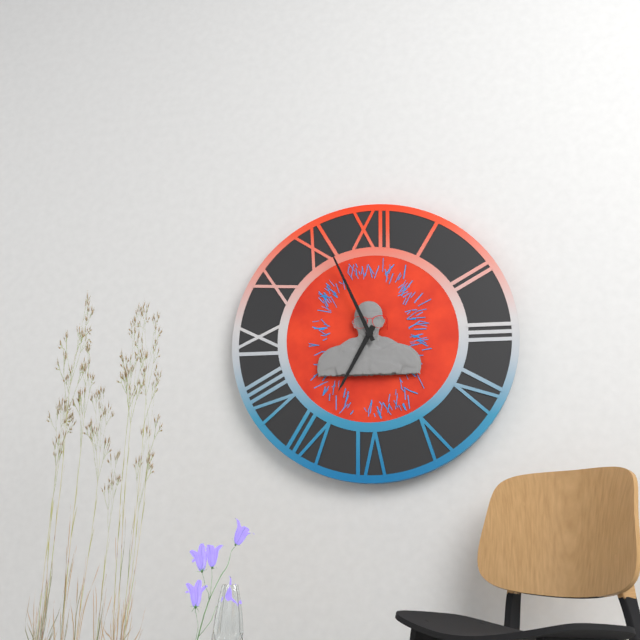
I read {"hour": 6, "minute": 56}
